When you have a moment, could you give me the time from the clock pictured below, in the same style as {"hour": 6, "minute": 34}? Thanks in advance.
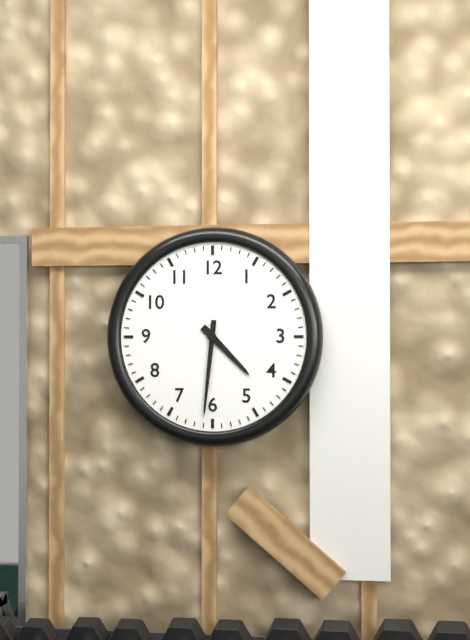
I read {"hour": 4, "minute": 31}
